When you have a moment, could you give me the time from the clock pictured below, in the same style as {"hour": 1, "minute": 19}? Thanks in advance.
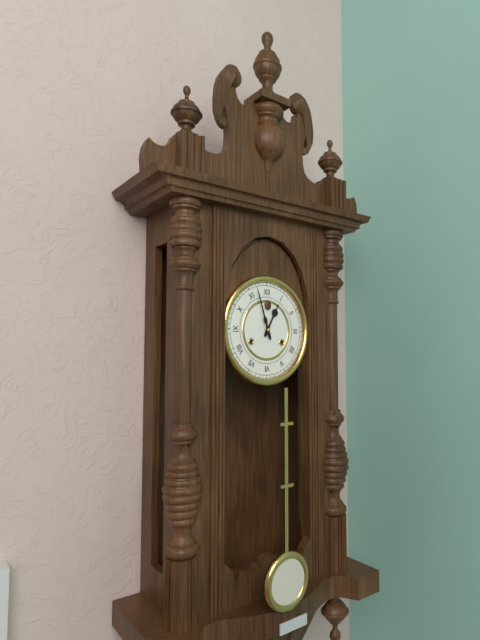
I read {"hour": 12, "minute": 57}
